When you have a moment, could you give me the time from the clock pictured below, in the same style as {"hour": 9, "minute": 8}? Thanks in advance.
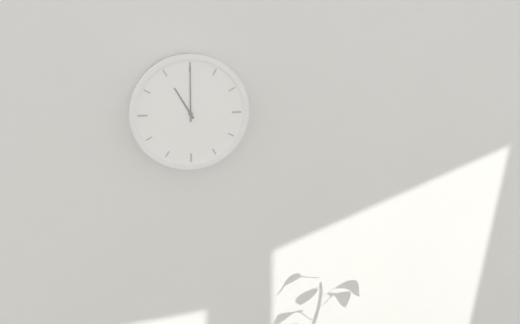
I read {"hour": 11, "minute": 0}
